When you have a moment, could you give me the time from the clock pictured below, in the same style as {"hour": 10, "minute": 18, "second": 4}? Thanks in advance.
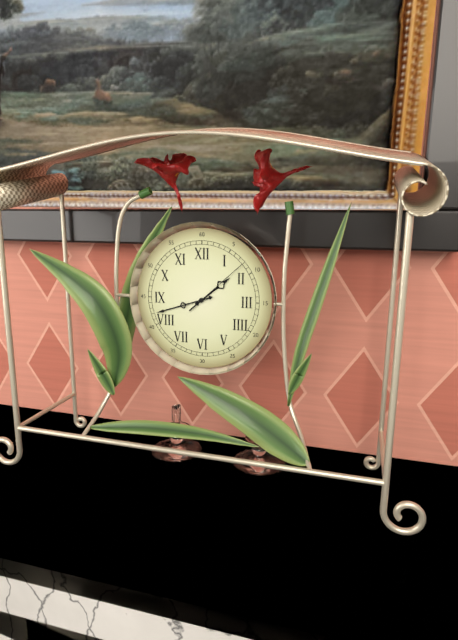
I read {"hour": 1, "minute": 42, "second": 8}
